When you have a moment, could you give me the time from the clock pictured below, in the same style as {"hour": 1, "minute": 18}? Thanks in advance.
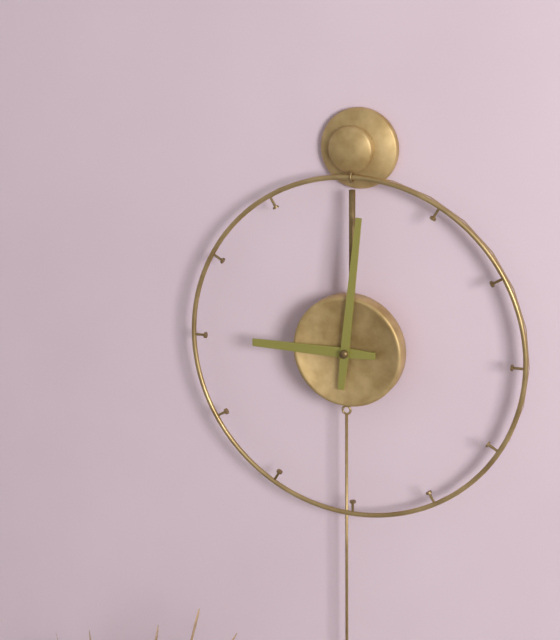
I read {"hour": 9, "minute": 1}
